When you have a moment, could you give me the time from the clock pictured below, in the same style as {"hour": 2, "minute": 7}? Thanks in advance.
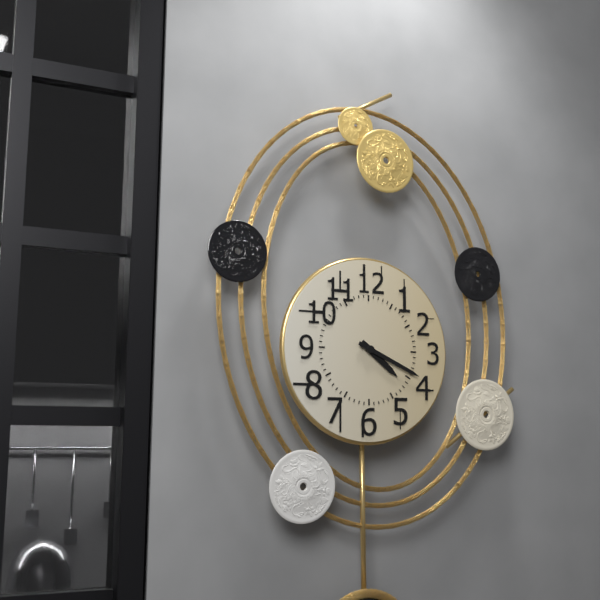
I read {"hour": 4, "minute": 19}
